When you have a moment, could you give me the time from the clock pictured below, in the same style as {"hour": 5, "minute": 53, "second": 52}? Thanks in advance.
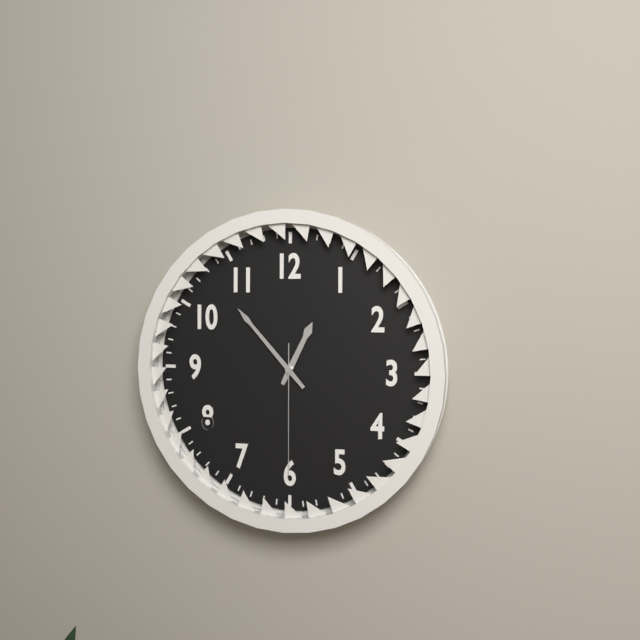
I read {"hour": 12, "minute": 53, "second": 30}
